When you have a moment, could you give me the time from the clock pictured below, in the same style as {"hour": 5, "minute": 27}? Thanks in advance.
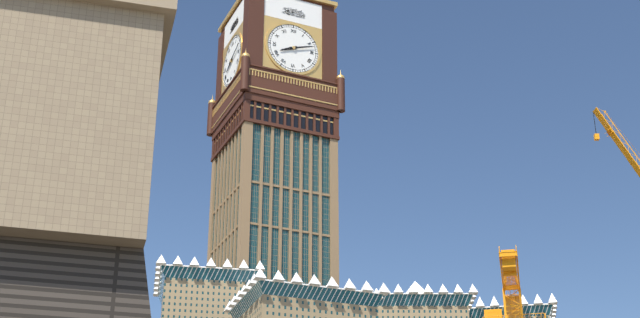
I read {"hour": 8, "minute": 12}
